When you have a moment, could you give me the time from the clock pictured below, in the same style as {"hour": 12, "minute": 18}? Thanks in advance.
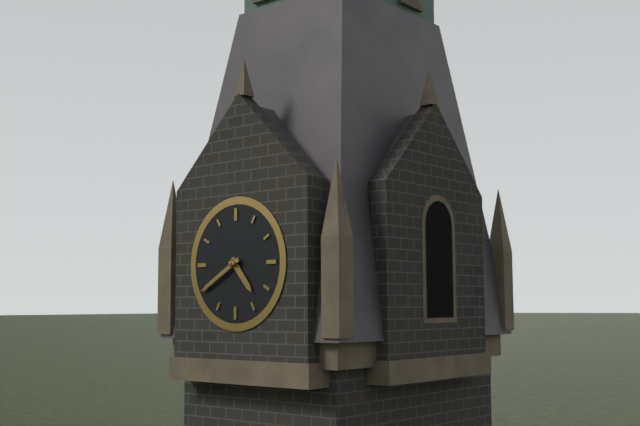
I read {"hour": 4, "minute": 40}
